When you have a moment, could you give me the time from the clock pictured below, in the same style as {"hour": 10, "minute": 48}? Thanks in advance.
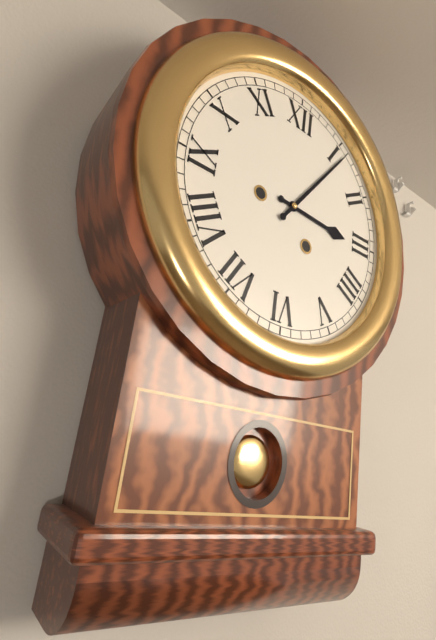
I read {"hour": 3, "minute": 6}
